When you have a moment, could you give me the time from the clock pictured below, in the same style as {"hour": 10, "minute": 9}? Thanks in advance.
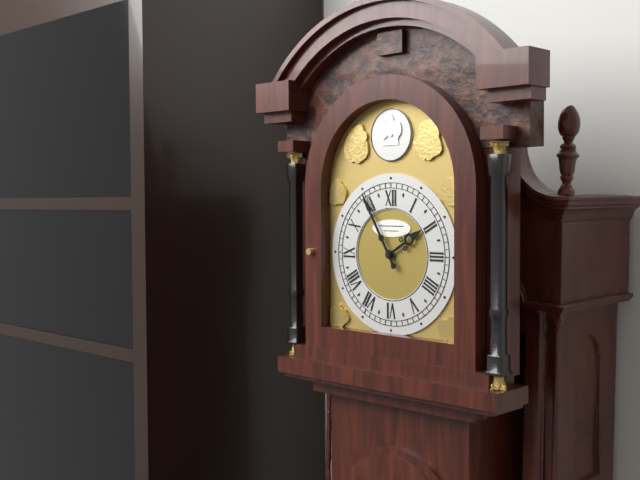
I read {"hour": 1, "minute": 55}
